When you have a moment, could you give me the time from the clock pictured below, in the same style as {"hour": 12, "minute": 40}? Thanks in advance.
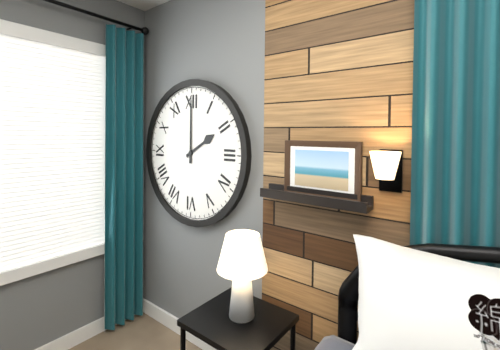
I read {"hour": 2, "minute": 0}
